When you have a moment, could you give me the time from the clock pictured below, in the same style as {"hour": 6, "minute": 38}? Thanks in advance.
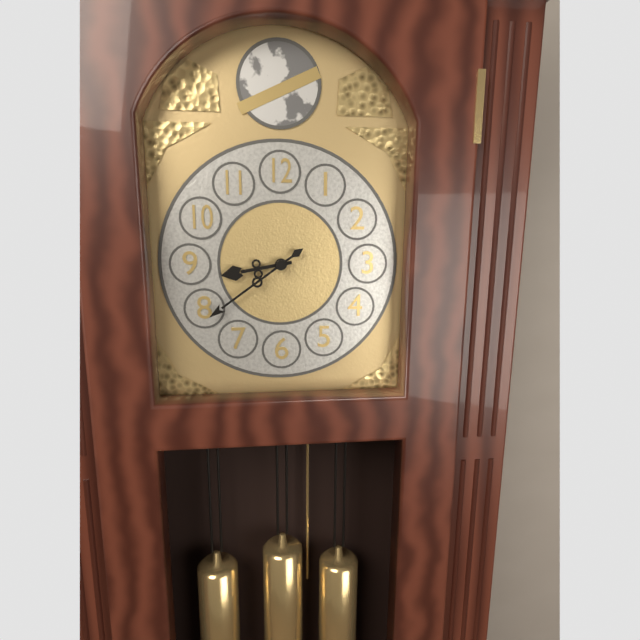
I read {"hour": 8, "minute": 39}
